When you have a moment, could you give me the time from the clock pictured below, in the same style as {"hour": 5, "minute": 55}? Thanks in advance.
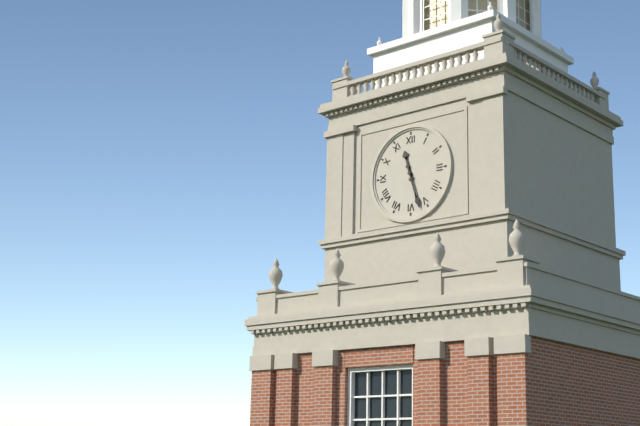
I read {"hour": 11, "minute": 27}
